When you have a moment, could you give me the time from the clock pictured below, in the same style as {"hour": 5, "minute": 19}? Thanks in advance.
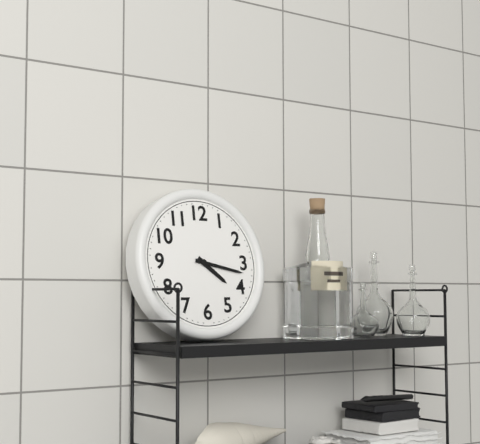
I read {"hour": 4, "minute": 17}
